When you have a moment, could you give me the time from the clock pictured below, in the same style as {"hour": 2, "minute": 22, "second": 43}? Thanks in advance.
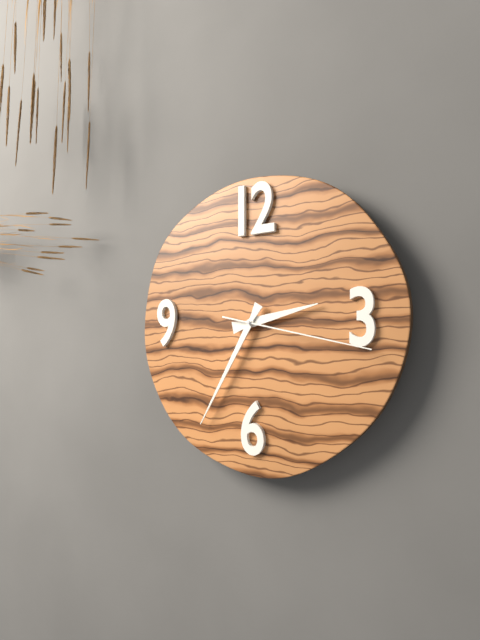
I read {"hour": 2, "minute": 35, "second": 17}
